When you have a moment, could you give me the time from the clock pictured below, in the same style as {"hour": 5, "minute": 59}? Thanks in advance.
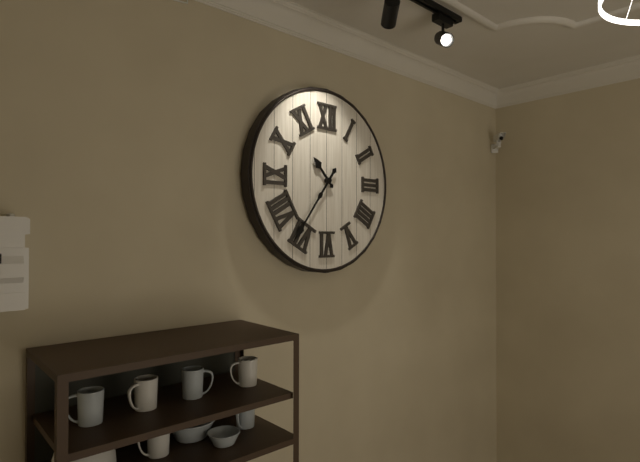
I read {"hour": 10, "minute": 36}
